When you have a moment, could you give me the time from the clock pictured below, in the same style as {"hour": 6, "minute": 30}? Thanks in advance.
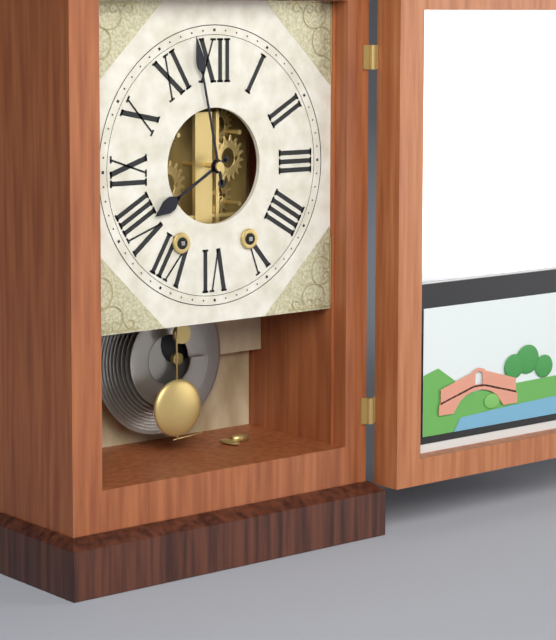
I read {"hour": 7, "minute": 58}
